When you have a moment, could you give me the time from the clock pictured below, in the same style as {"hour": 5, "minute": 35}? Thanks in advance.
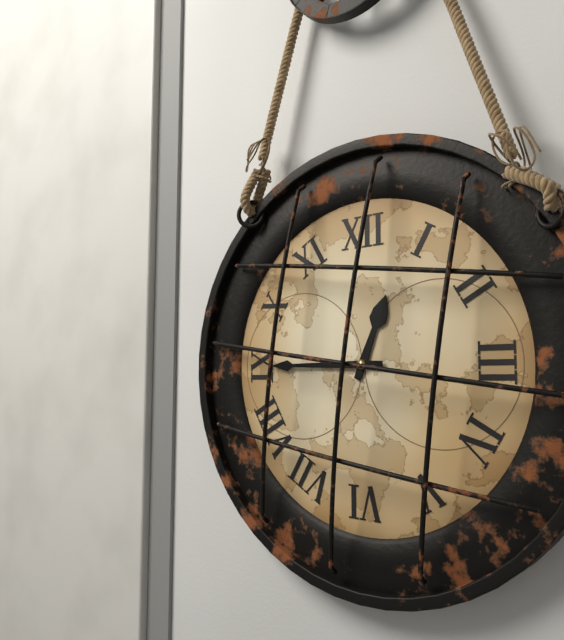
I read {"hour": 12, "minute": 45}
